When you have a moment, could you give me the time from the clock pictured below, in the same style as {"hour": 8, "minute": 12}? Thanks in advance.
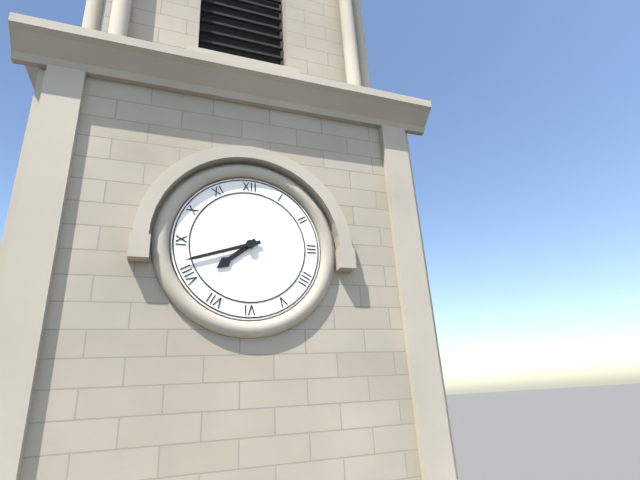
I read {"hour": 7, "minute": 42}
